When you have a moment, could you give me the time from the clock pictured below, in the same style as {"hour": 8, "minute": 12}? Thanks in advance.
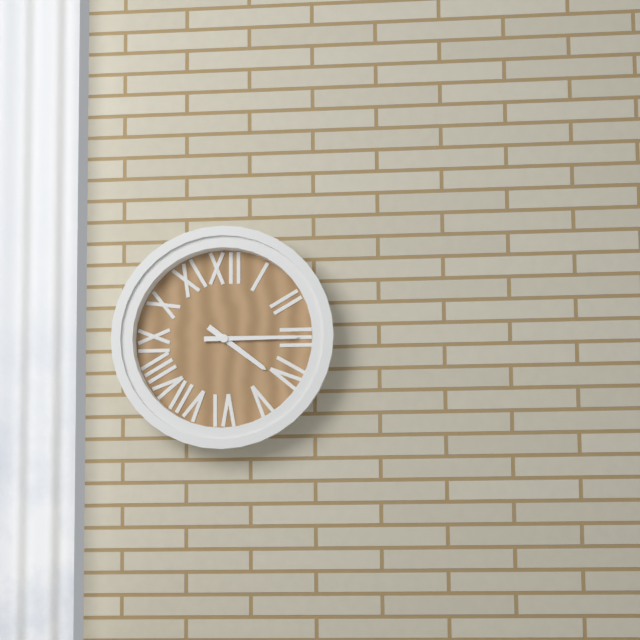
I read {"hour": 4, "minute": 15}
